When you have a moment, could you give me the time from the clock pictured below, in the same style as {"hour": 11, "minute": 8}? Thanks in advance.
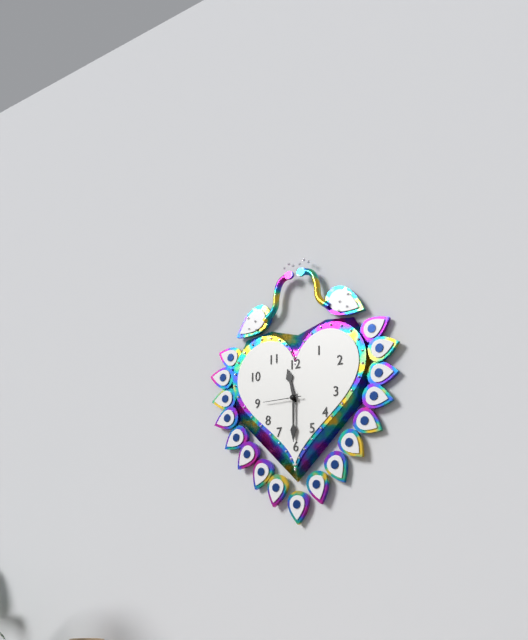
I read {"hour": 11, "minute": 30}
